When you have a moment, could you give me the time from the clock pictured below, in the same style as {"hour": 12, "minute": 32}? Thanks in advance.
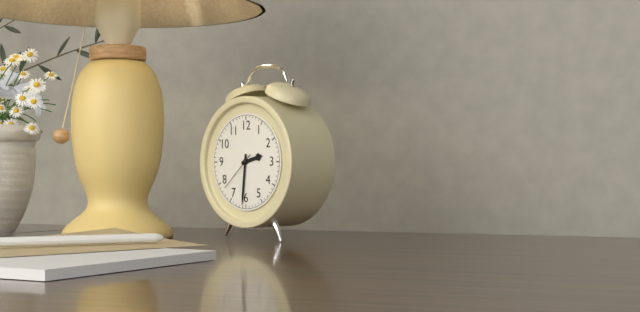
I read {"hour": 2, "minute": 31}
